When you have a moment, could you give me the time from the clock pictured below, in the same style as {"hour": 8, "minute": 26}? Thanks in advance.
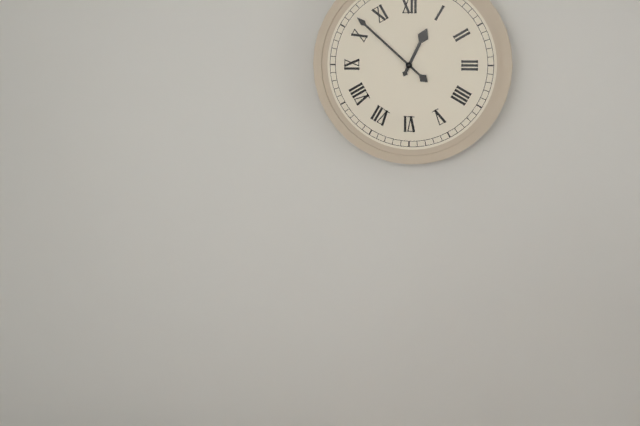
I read {"hour": 12, "minute": 52}
